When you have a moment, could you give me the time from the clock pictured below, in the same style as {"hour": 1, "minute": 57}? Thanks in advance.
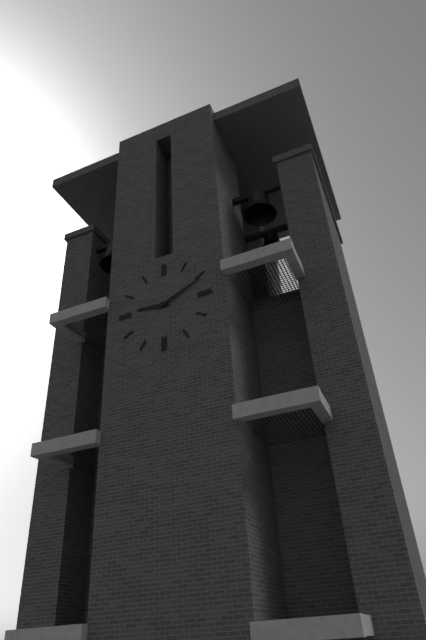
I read {"hour": 9, "minute": 11}
